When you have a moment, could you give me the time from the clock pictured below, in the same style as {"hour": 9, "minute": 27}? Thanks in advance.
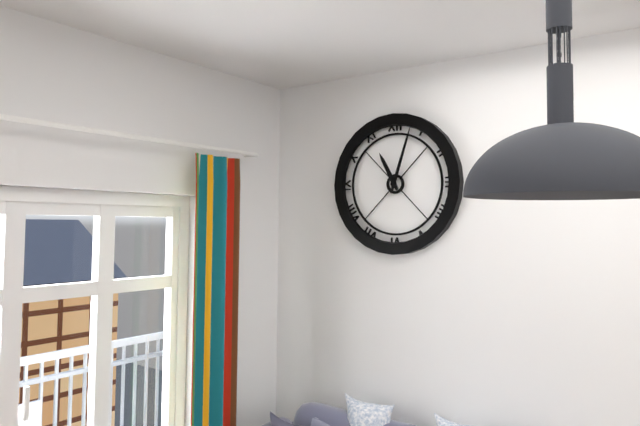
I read {"hour": 11, "minute": 3}
